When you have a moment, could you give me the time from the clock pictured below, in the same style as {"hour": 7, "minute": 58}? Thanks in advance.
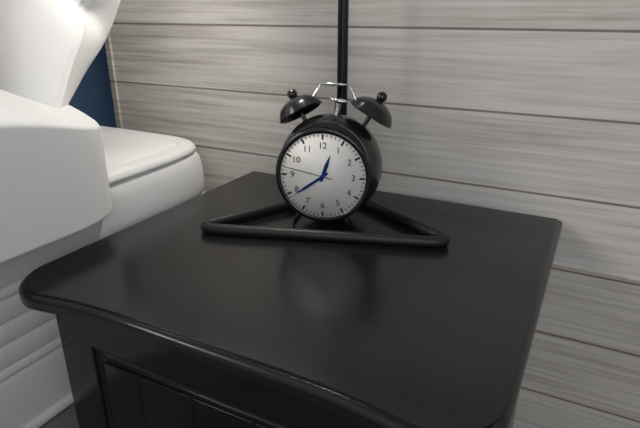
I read {"hour": 12, "minute": 39}
